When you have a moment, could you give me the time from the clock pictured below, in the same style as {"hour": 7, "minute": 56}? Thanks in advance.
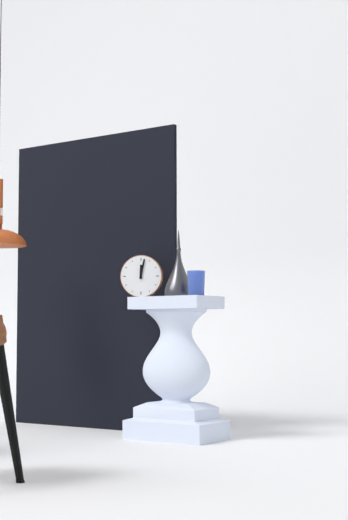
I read {"hour": 12, "minute": 2}
